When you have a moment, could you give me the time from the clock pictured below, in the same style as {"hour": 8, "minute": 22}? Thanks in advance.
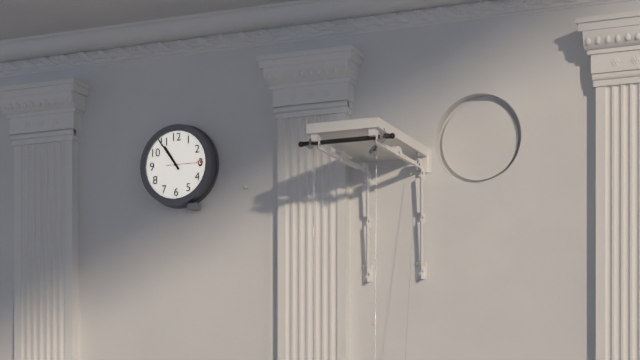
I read {"hour": 10, "minute": 54}
